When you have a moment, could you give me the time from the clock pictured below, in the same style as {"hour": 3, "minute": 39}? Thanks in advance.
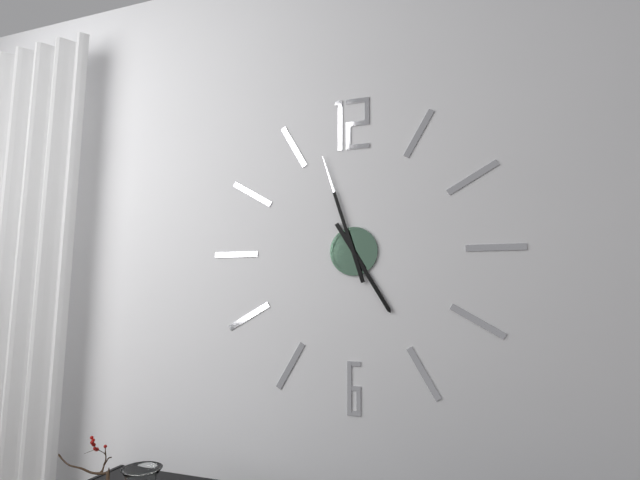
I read {"hour": 4, "minute": 57}
